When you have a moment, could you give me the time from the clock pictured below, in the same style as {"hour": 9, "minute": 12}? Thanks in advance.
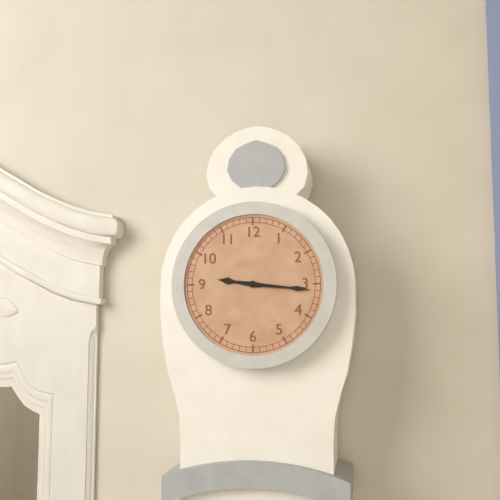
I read {"hour": 9, "minute": 16}
